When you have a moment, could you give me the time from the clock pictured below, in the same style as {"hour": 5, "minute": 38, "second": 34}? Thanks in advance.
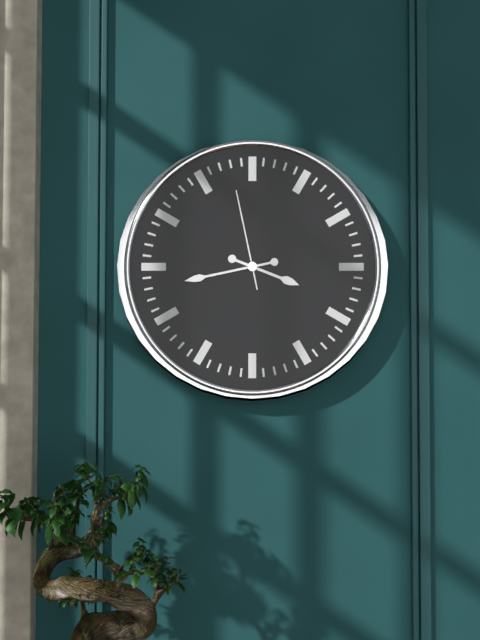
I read {"hour": 3, "minute": 43, "second": 58}
